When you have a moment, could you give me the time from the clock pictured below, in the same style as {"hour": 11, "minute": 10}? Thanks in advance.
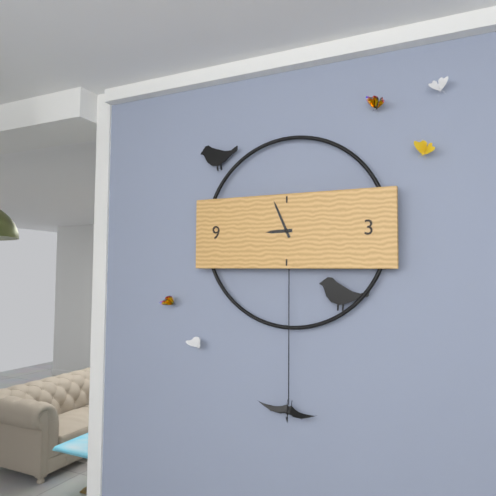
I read {"hour": 8, "minute": 56}
